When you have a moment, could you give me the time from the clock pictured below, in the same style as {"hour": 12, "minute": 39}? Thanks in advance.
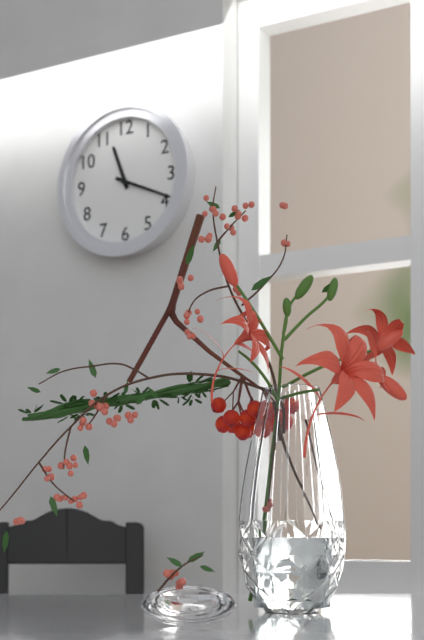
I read {"hour": 11, "minute": 19}
